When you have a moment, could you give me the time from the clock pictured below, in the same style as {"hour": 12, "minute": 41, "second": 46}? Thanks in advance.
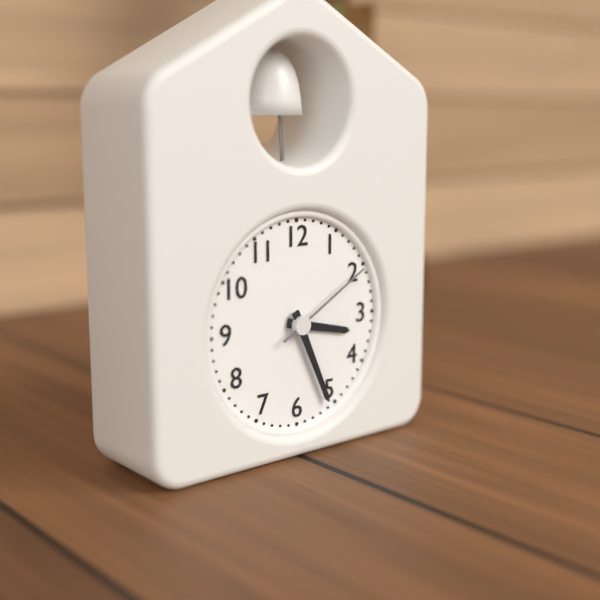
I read {"hour": 3, "minute": 26, "second": 10}
